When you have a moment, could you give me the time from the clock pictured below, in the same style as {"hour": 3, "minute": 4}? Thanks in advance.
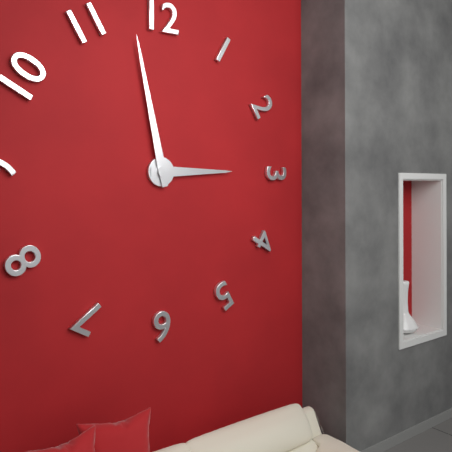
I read {"hour": 2, "minute": 58}
